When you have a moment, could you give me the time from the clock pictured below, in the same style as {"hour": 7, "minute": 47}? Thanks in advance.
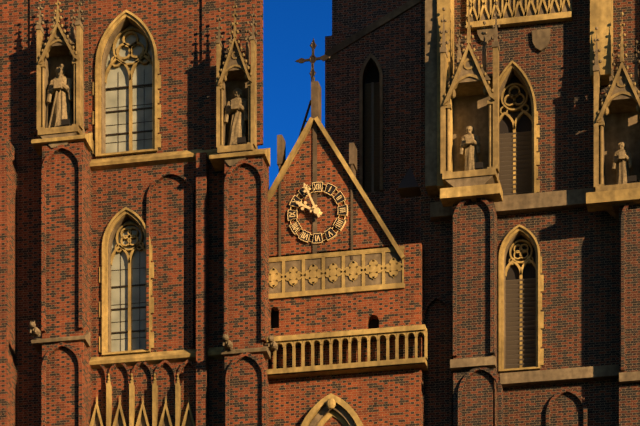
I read {"hour": 9, "minute": 56}
